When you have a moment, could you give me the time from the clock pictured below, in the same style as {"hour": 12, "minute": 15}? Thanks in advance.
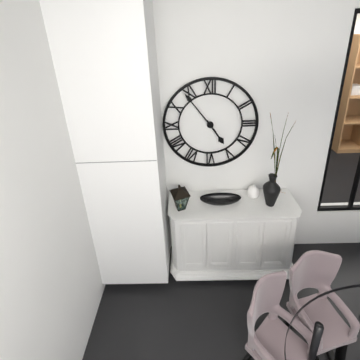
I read {"hour": 4, "minute": 54}
